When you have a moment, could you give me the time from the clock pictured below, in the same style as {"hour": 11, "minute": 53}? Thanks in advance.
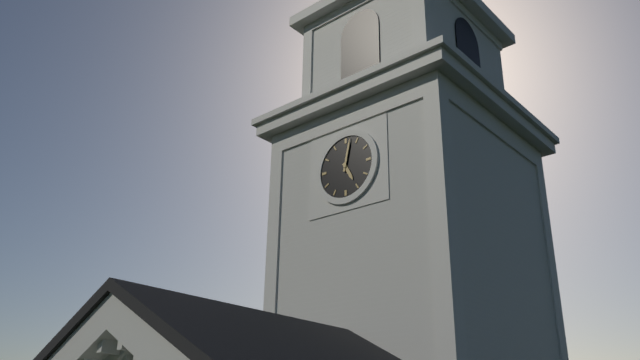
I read {"hour": 5, "minute": 2}
